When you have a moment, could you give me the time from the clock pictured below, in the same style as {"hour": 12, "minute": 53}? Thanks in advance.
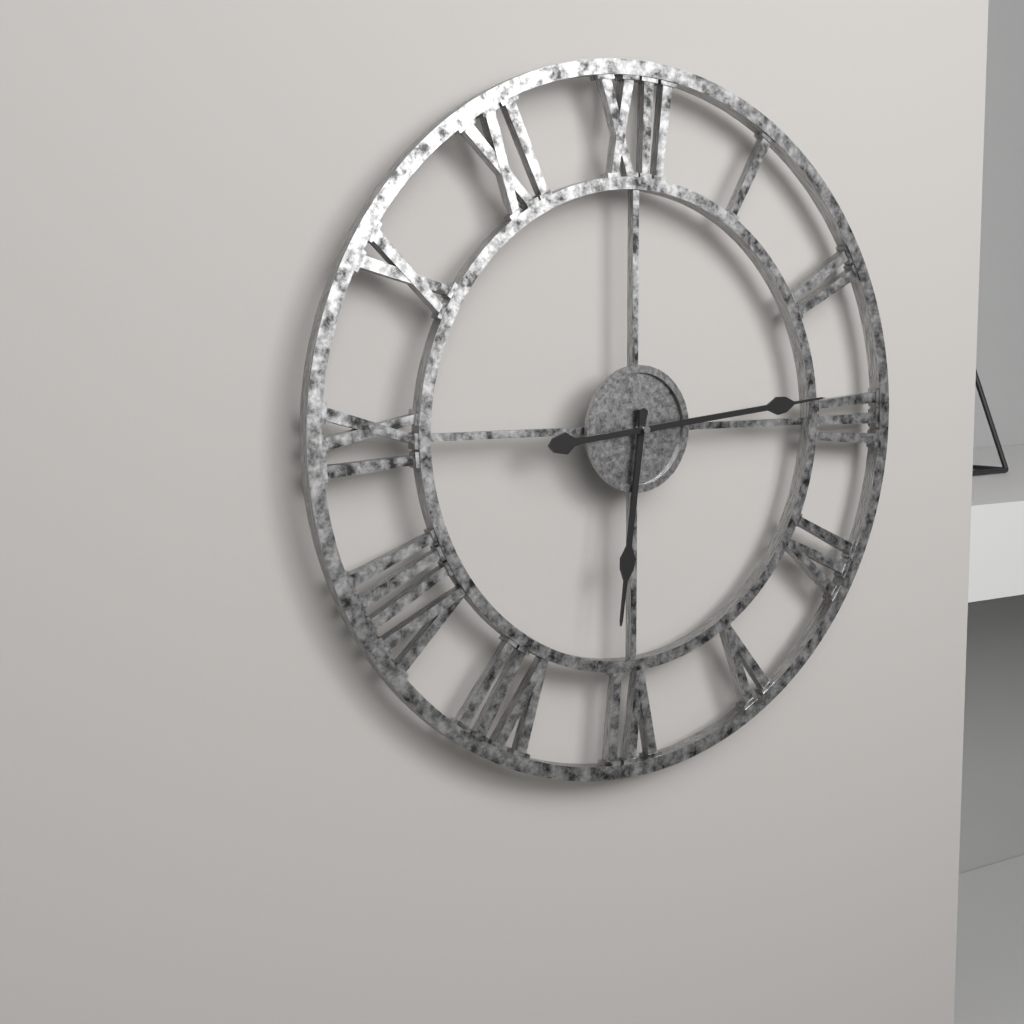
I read {"hour": 6, "minute": 14}
